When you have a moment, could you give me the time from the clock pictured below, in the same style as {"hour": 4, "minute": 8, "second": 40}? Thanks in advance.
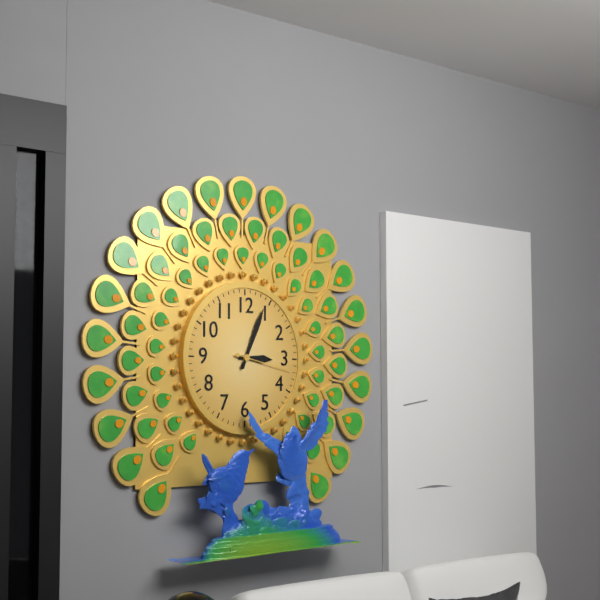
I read {"hour": 3, "minute": 4, "second": 17}
